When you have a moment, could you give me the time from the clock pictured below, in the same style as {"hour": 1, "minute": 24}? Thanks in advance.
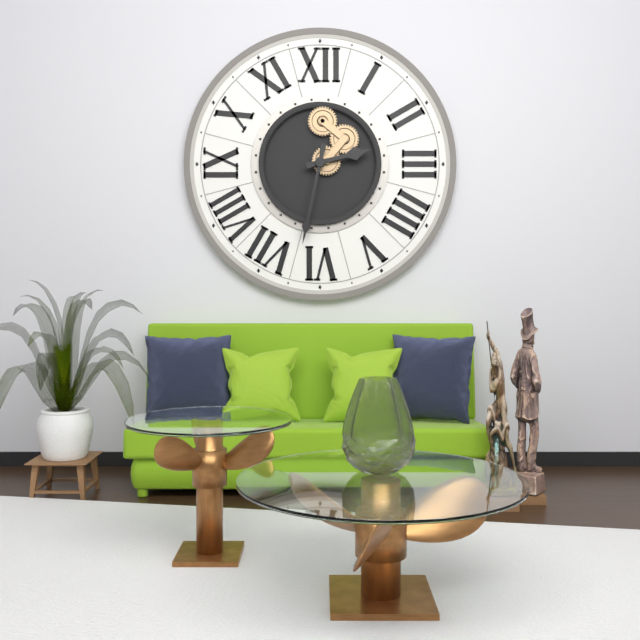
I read {"hour": 2, "minute": 32}
